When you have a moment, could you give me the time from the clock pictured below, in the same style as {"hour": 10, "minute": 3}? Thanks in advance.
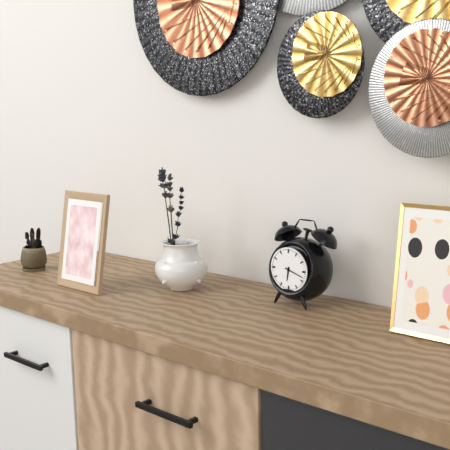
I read {"hour": 6, "minute": 18}
